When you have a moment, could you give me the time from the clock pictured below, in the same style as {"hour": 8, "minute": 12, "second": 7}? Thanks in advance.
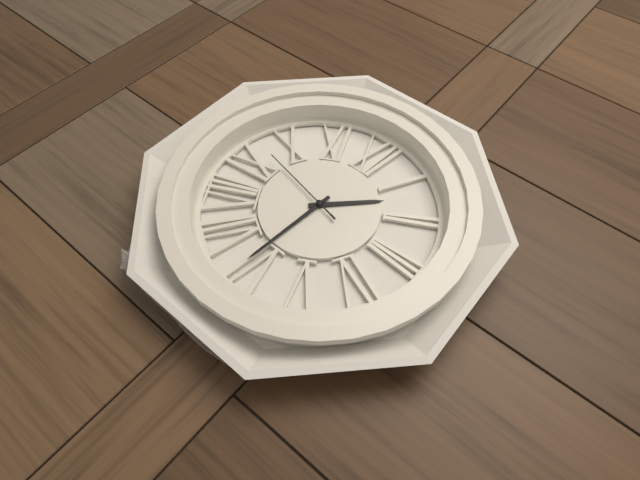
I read {"hour": 1, "minute": 31, "second": 47}
